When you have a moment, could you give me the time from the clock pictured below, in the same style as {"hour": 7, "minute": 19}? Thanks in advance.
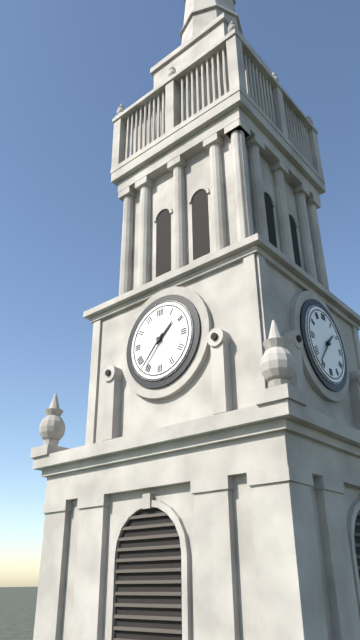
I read {"hour": 1, "minute": 37}
